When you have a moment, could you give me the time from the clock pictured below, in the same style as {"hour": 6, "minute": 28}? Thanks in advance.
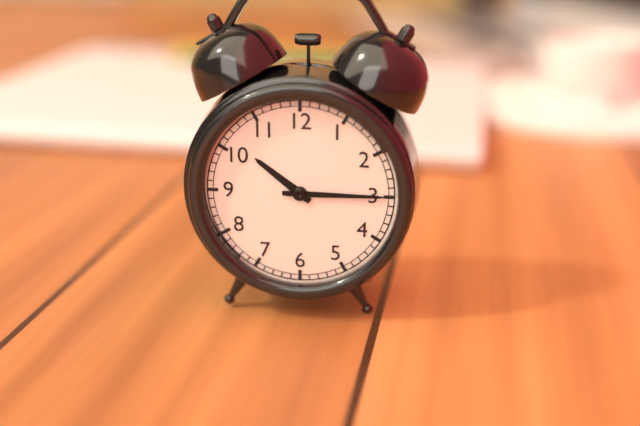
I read {"hour": 10, "minute": 15}
